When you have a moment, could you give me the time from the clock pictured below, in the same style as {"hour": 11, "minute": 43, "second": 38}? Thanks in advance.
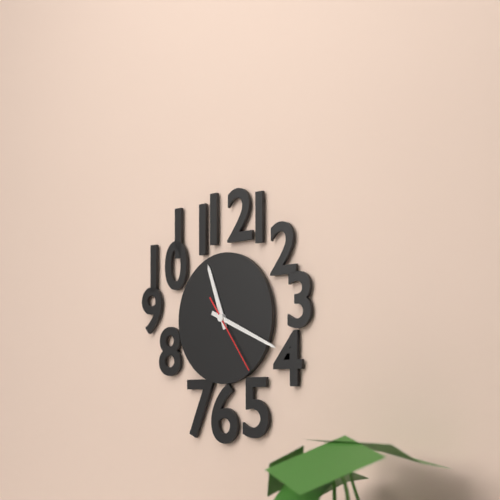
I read {"hour": 11, "minute": 19, "second": 24}
